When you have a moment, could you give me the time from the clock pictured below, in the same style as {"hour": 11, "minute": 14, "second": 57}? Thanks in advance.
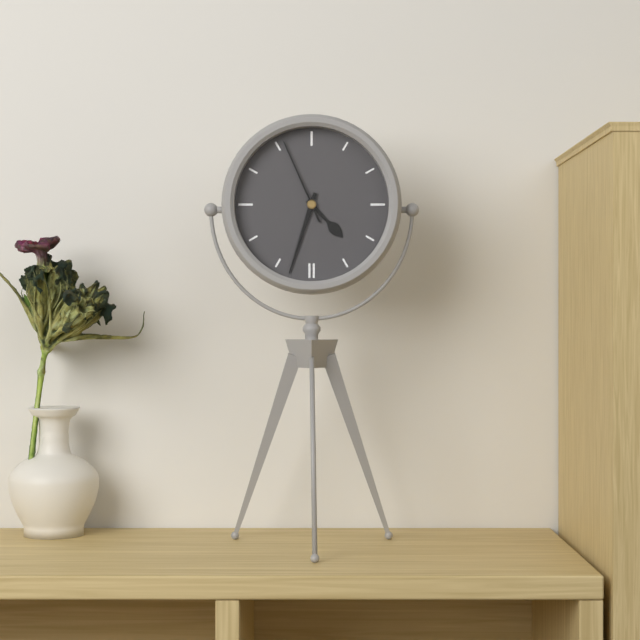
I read {"hour": 4, "minute": 33, "second": 56}
